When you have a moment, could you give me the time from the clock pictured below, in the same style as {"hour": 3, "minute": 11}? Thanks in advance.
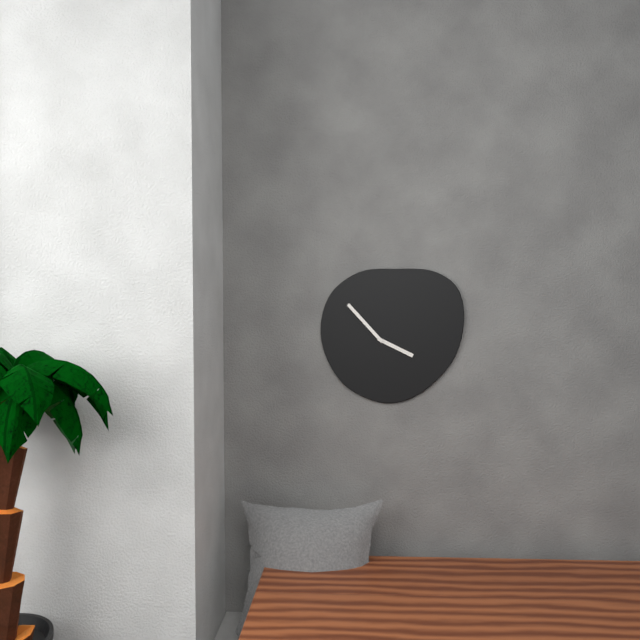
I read {"hour": 3, "minute": 53}
